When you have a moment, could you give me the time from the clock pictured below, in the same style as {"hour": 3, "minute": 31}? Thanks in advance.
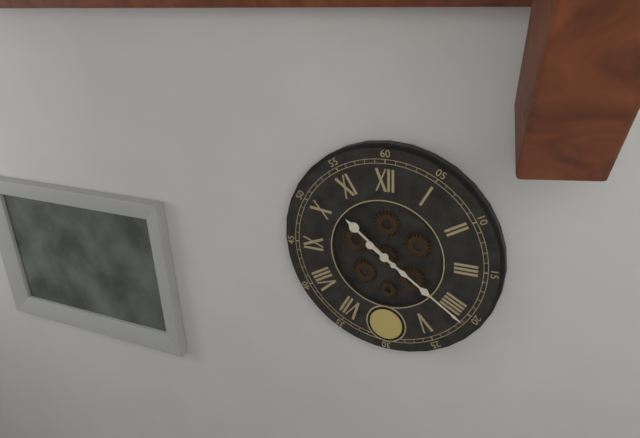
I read {"hour": 10, "minute": 21}
